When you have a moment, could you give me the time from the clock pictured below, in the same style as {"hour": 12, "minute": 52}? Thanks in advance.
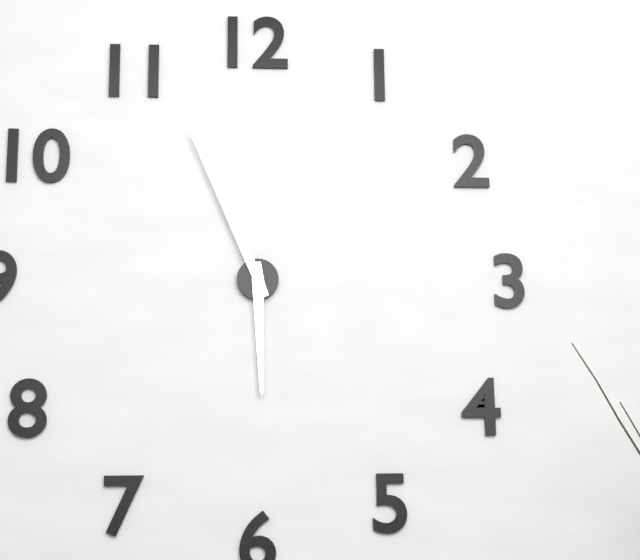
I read {"hour": 5, "minute": 56}
